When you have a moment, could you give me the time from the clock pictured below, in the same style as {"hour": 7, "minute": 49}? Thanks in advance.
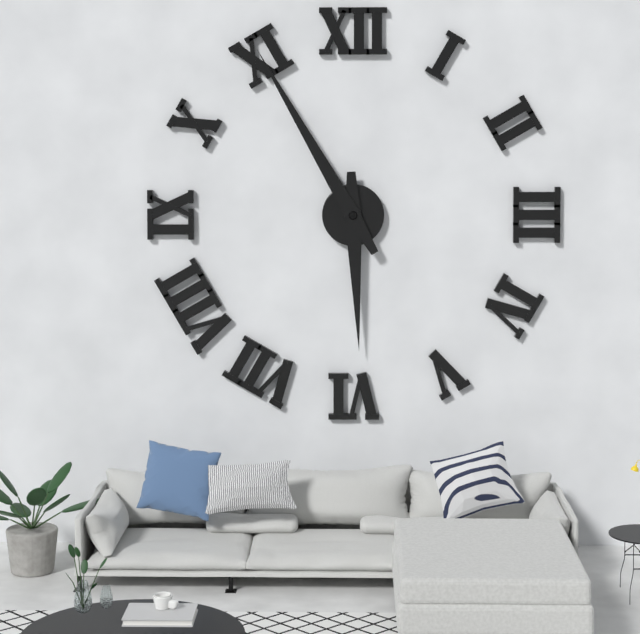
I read {"hour": 5, "minute": 55}
